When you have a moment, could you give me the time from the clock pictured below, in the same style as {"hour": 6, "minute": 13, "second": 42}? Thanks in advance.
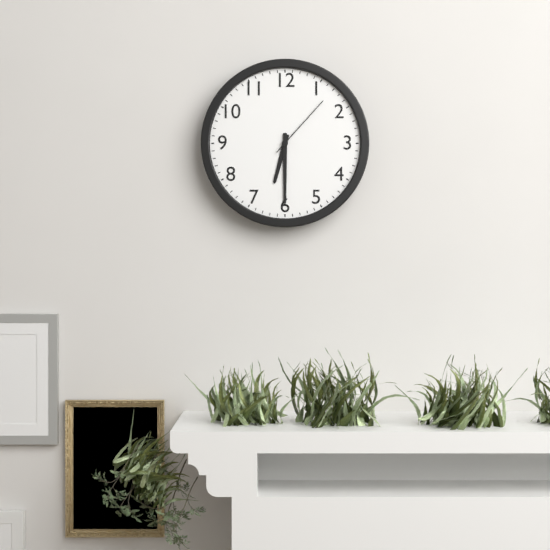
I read {"hour": 6, "minute": 30, "second": 7}
